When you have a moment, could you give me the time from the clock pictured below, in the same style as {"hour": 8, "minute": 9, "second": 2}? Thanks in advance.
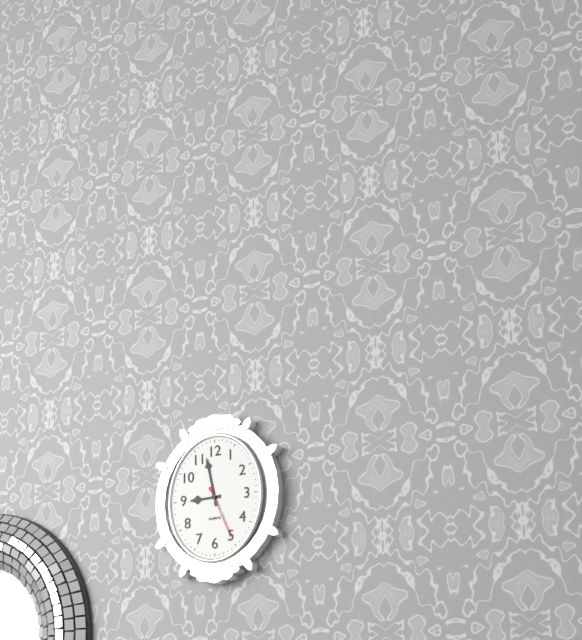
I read {"hour": 8, "minute": 58, "second": 26}
